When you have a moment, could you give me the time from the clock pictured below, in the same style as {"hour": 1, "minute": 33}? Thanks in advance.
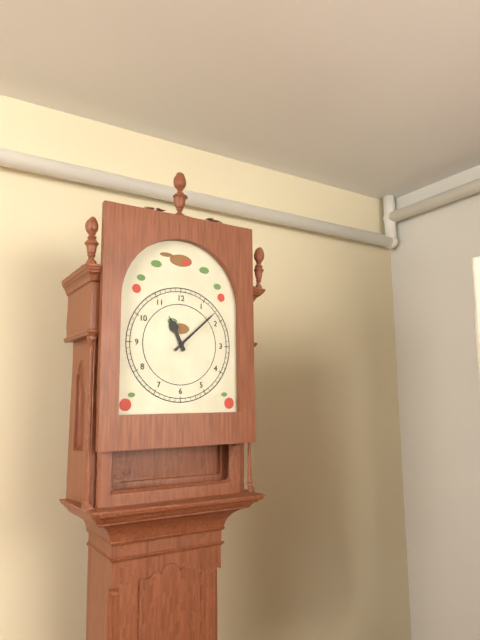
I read {"hour": 11, "minute": 8}
